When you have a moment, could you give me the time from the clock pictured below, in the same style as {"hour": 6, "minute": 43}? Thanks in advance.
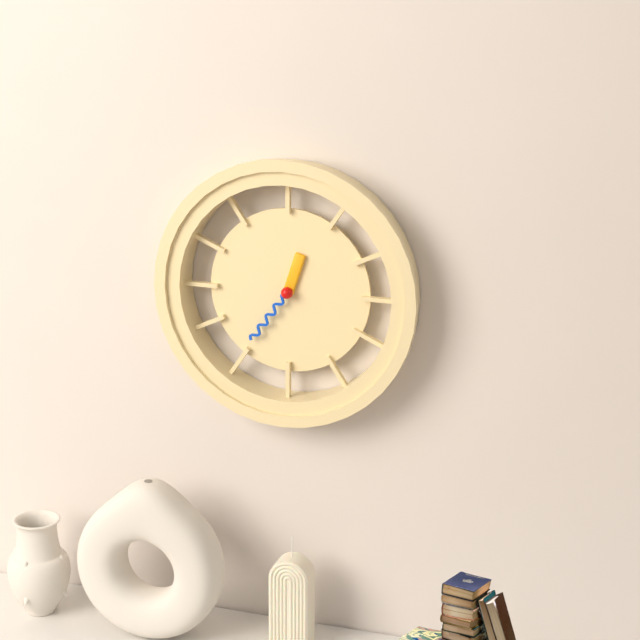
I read {"hour": 12, "minute": 36}
